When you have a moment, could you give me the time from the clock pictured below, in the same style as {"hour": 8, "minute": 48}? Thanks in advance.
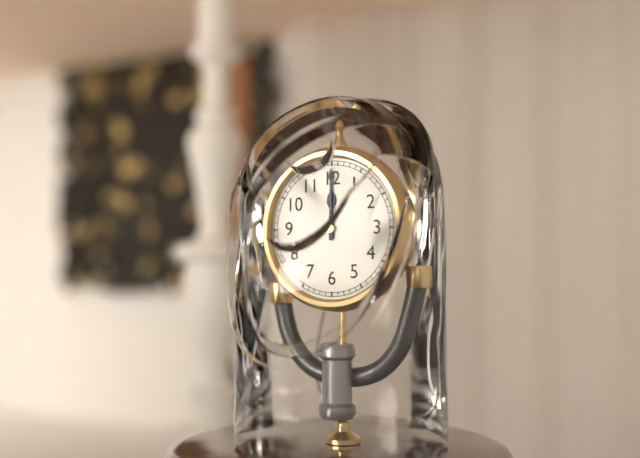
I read {"hour": 12, "minute": 0}
